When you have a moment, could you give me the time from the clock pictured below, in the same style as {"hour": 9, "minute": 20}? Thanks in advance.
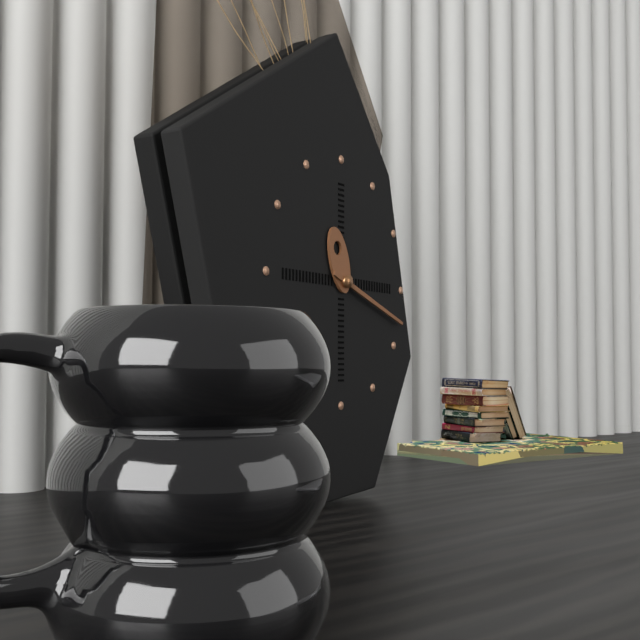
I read {"hour": 11, "minute": 18}
